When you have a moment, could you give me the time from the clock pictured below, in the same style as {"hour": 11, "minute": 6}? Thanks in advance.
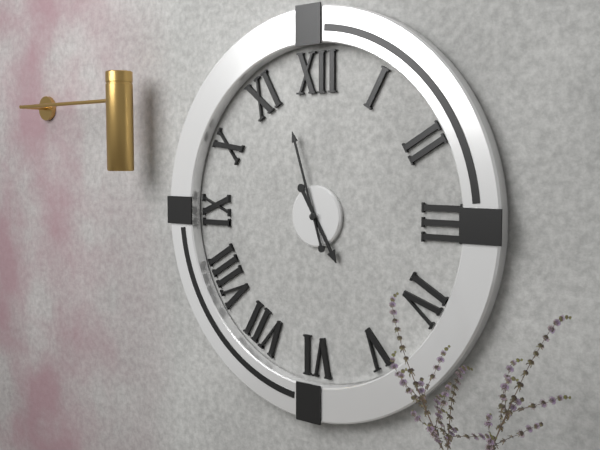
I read {"hour": 4, "minute": 57}
